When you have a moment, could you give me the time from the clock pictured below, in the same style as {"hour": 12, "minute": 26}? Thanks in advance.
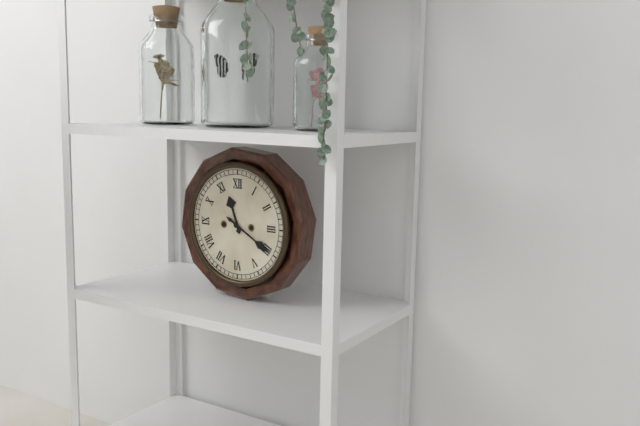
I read {"hour": 11, "minute": 20}
